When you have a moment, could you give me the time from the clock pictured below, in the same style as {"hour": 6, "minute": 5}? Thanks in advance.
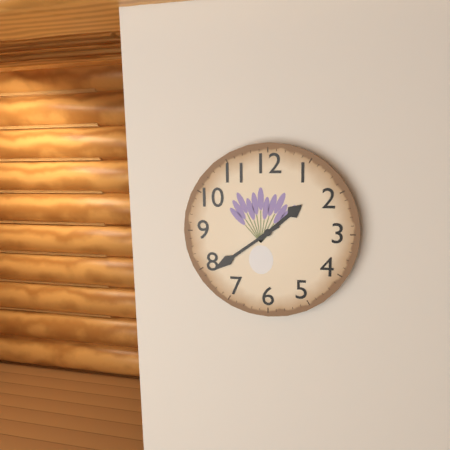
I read {"hour": 1, "minute": 39}
